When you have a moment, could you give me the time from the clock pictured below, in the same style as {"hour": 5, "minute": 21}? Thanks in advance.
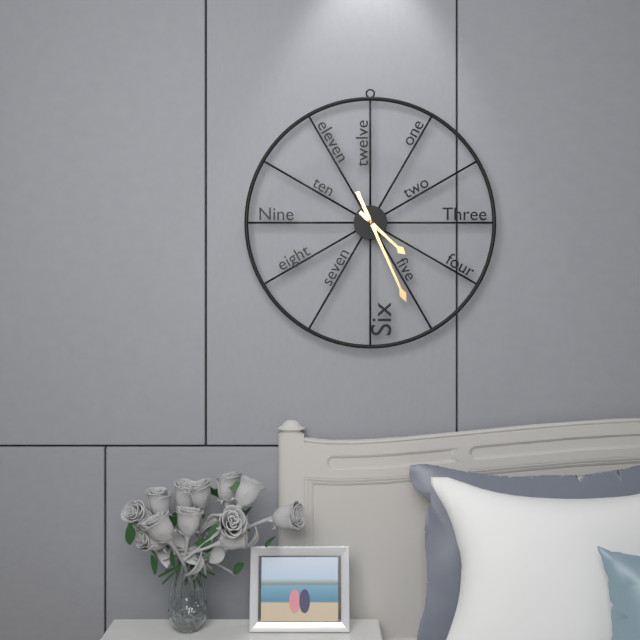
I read {"hour": 4, "minute": 26}
